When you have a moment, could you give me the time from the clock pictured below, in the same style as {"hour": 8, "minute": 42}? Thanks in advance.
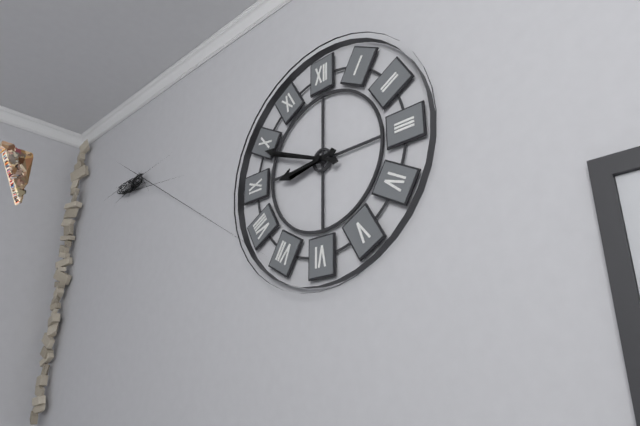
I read {"hour": 8, "minute": 49}
